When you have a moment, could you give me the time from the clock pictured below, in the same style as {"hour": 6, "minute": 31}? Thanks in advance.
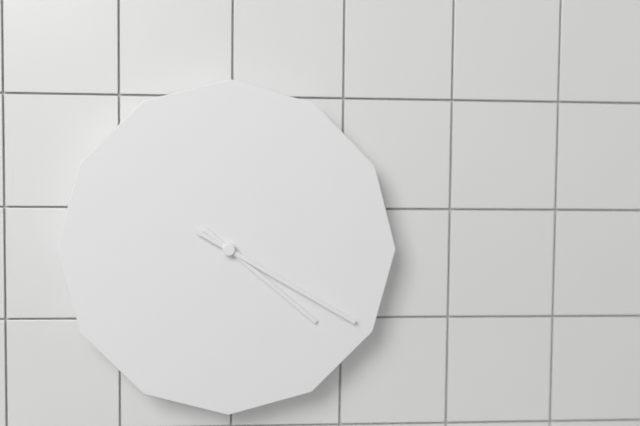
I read {"hour": 4, "minute": 20}
